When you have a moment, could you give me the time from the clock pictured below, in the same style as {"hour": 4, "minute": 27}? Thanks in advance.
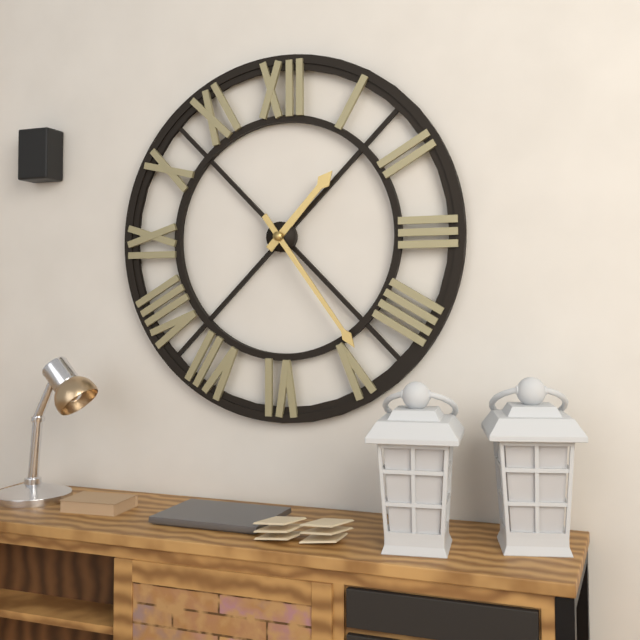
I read {"hour": 1, "minute": 24}
